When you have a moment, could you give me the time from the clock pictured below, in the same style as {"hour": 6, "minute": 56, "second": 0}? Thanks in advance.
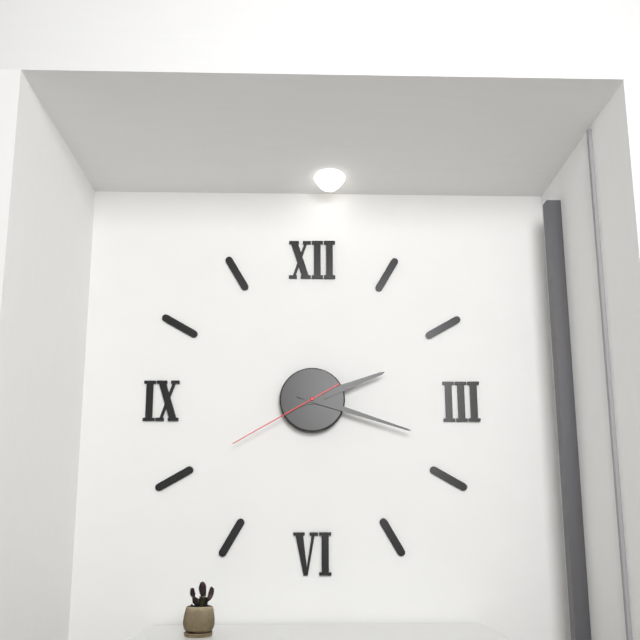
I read {"hour": 2, "minute": 18, "second": 40}
